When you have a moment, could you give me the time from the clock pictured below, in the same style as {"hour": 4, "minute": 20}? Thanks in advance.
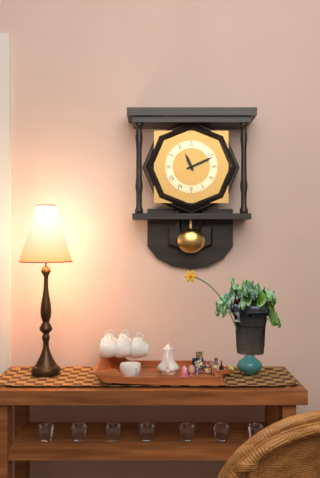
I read {"hour": 11, "minute": 11}
